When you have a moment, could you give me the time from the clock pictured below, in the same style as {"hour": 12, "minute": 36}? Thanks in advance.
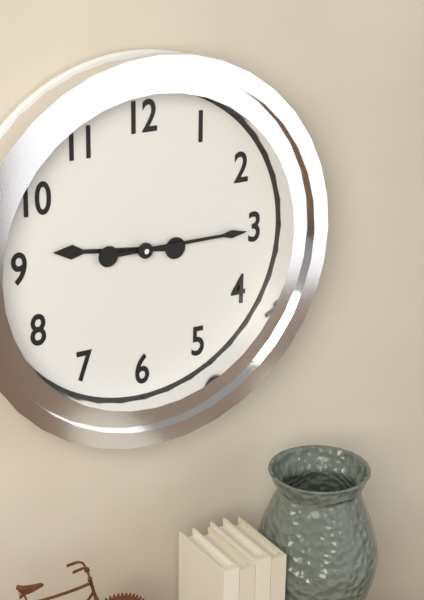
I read {"hour": 9, "minute": 15}
